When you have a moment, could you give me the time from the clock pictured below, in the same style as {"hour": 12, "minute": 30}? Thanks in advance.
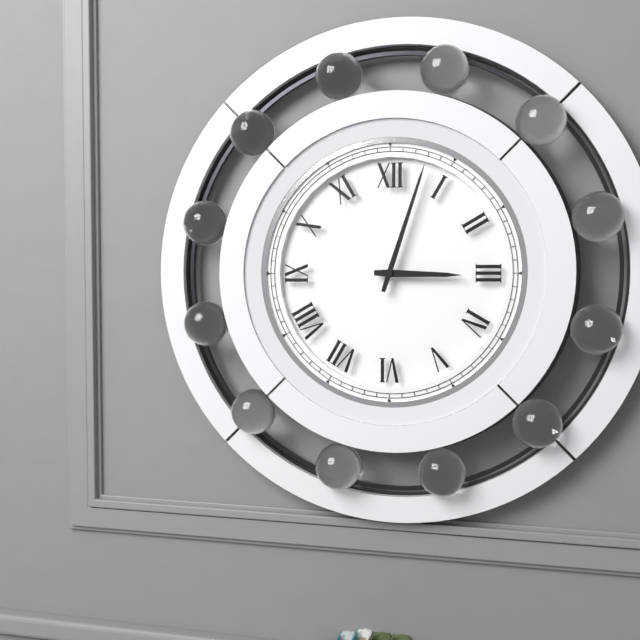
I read {"hour": 3, "minute": 3}
